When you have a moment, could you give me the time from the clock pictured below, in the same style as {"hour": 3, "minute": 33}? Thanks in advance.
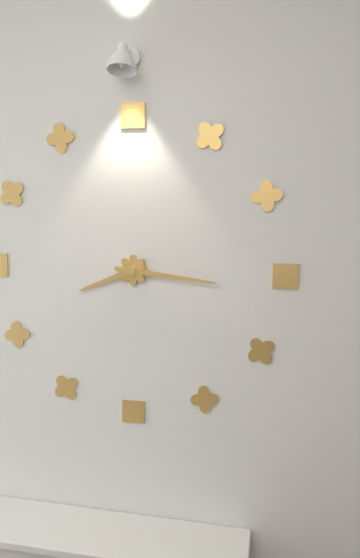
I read {"hour": 8, "minute": 16}
